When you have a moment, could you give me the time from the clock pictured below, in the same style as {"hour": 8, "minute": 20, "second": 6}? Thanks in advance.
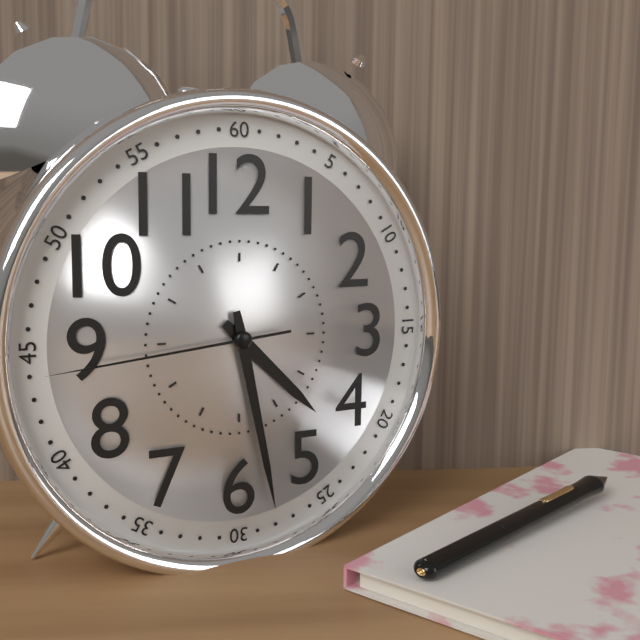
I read {"hour": 4, "minute": 28, "second": 44}
